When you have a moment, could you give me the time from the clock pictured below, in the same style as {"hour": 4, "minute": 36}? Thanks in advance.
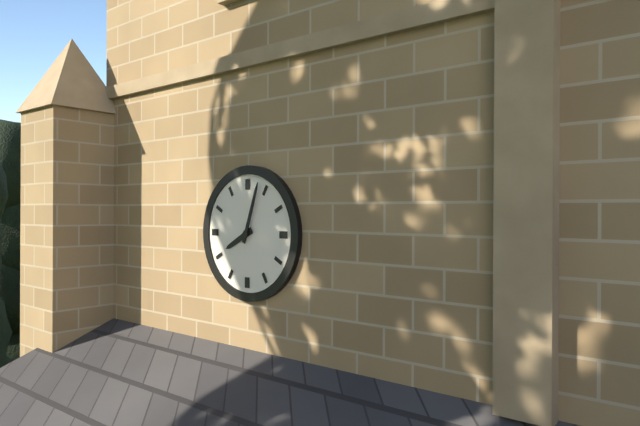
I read {"hour": 8, "minute": 3}
